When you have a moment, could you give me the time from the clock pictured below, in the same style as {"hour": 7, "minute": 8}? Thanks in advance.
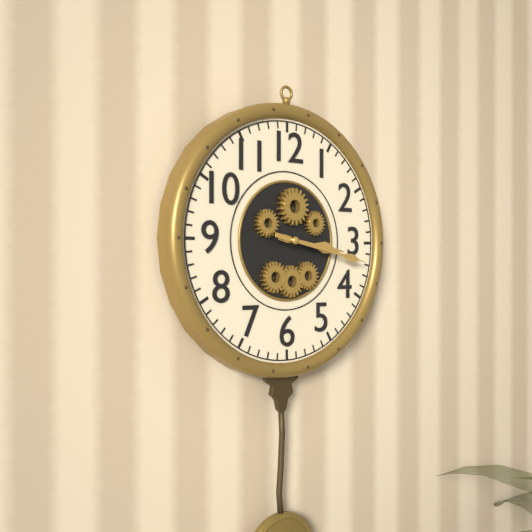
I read {"hour": 3, "minute": 17}
